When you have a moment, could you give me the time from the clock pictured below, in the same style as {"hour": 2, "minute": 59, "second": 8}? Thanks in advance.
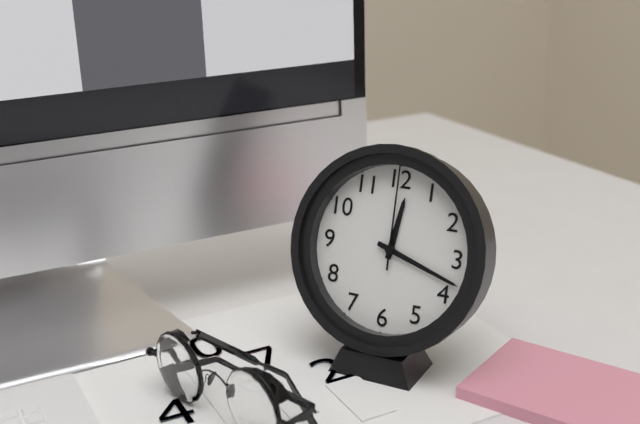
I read {"hour": 12, "minute": 18, "second": 0}
